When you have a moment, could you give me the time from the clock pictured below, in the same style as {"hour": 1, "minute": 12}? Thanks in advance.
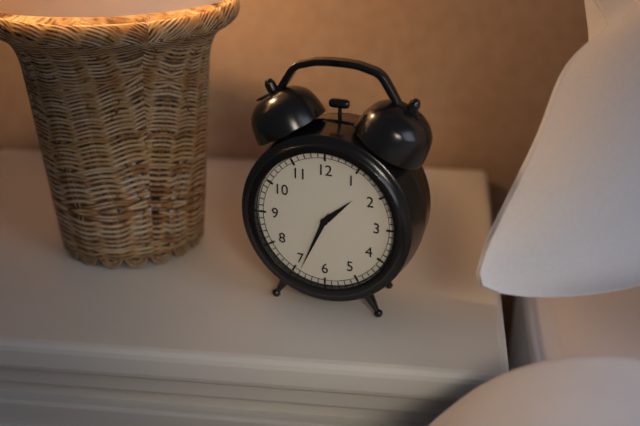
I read {"hour": 1, "minute": 34}
